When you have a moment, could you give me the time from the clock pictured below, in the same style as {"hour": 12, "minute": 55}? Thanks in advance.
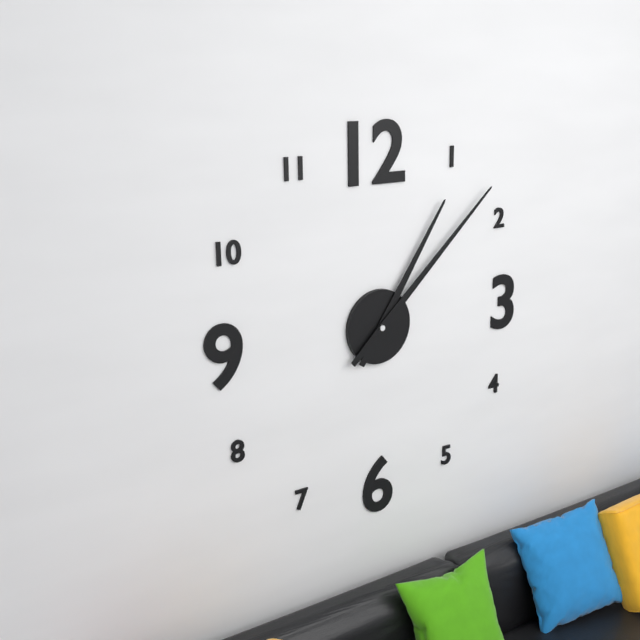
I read {"hour": 1, "minute": 8}
